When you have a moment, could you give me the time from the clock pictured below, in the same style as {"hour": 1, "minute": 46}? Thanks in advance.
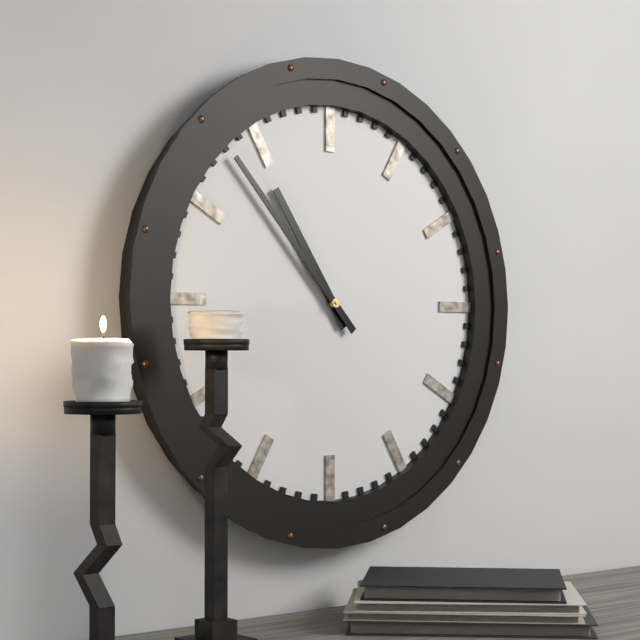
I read {"hour": 10, "minute": 53}
